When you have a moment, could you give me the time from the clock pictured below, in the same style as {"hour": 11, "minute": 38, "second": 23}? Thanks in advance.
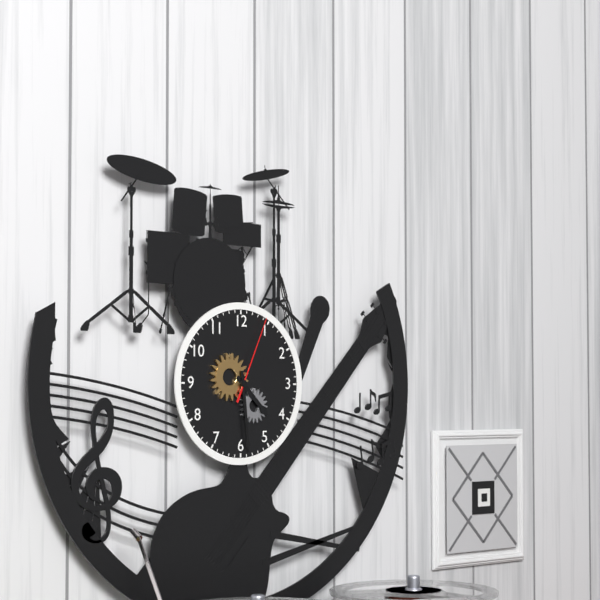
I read {"hour": 4, "minute": 29, "second": 4}
